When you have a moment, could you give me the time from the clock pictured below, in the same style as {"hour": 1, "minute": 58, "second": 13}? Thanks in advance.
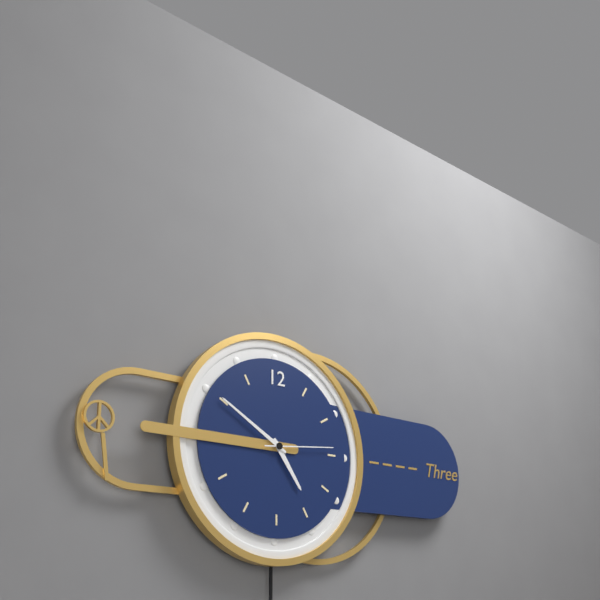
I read {"hour": 4, "minute": 50, "second": 14}
